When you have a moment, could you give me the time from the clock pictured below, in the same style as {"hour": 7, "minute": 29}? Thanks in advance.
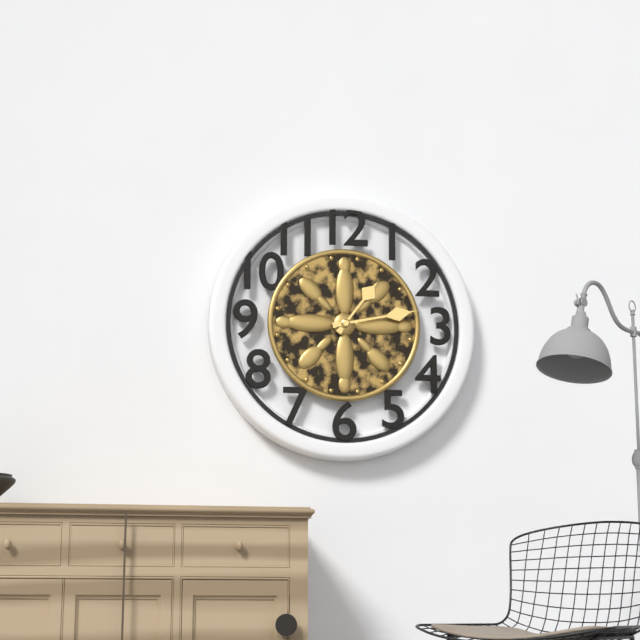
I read {"hour": 1, "minute": 13}
